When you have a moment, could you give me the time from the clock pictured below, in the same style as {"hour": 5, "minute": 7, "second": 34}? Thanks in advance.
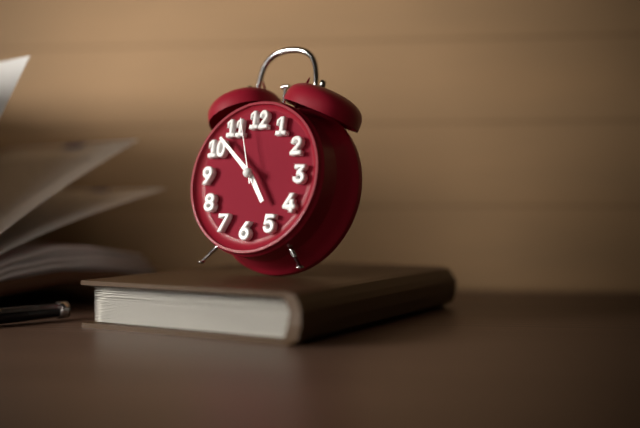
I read {"hour": 4, "minute": 52, "second": 57}
